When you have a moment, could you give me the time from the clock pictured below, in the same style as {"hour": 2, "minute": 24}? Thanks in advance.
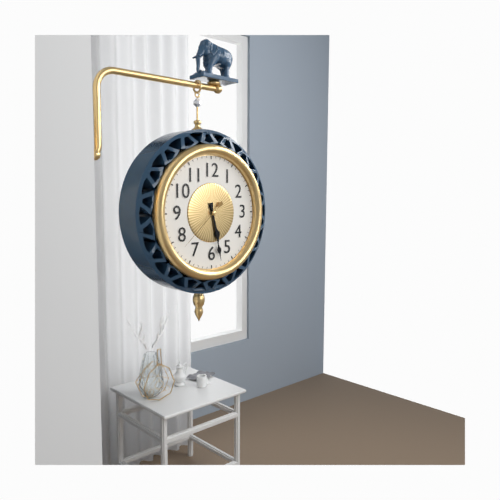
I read {"hour": 5, "minute": 28}
